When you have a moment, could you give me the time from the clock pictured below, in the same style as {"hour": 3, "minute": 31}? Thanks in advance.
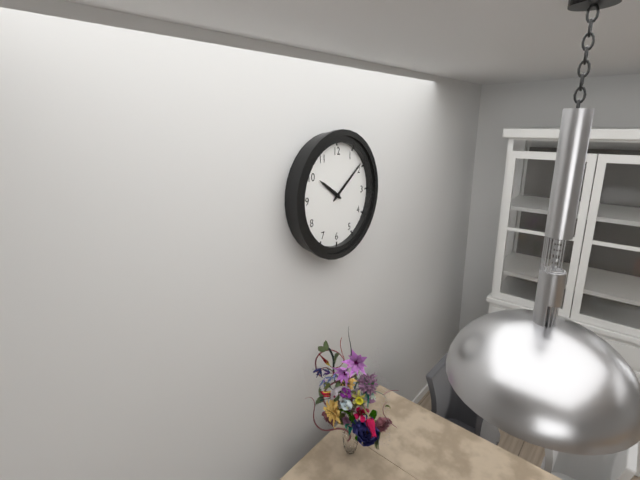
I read {"hour": 10, "minute": 9}
